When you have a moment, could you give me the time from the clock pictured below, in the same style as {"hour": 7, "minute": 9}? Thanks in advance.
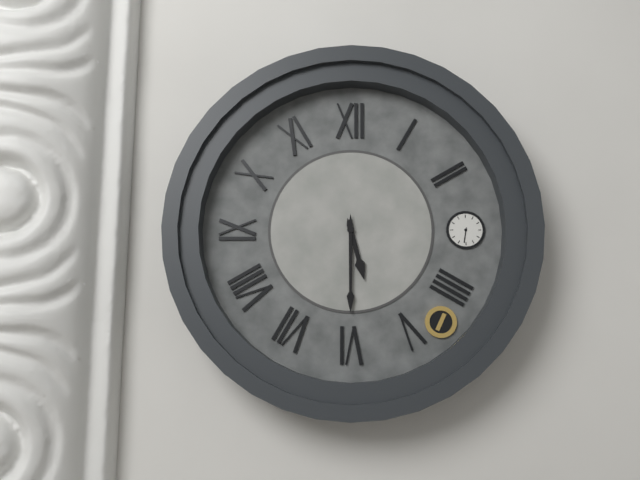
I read {"hour": 5, "minute": 30}
